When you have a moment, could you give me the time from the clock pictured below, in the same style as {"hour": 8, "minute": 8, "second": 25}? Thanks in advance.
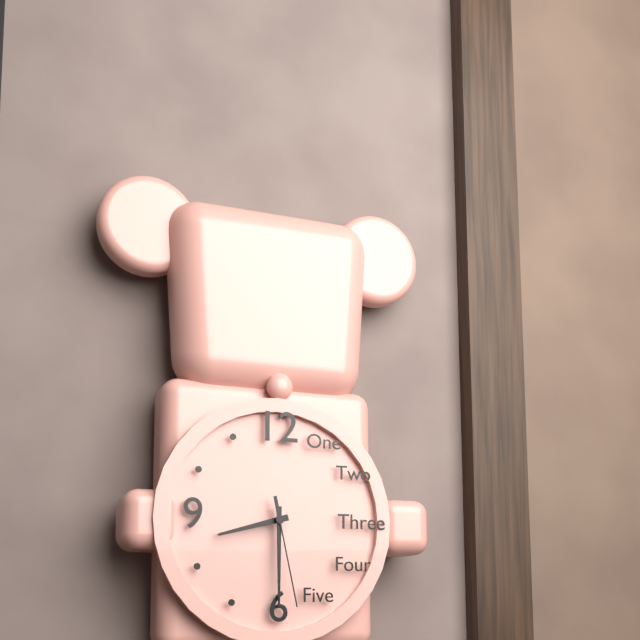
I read {"hour": 8, "minute": 30, "second": 28}
